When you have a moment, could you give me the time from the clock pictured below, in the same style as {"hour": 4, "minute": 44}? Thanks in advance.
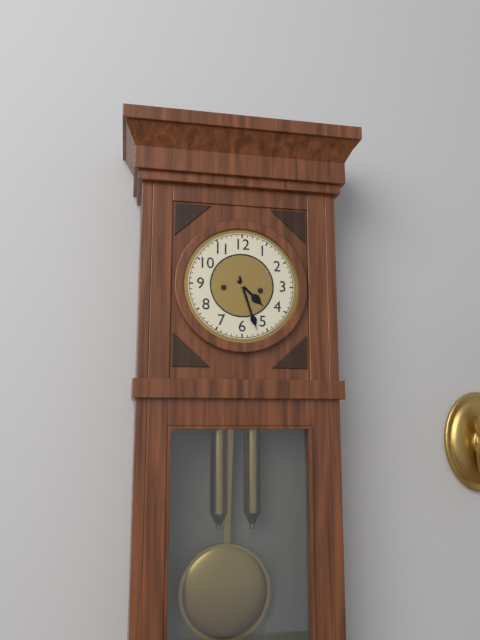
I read {"hour": 4, "minute": 27}
